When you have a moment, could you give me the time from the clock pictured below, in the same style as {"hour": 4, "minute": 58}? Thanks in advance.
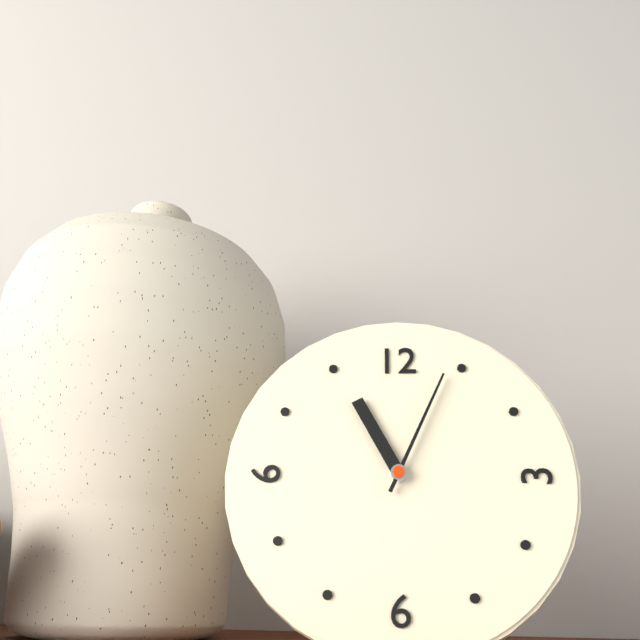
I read {"hour": 11, "minute": 4}
